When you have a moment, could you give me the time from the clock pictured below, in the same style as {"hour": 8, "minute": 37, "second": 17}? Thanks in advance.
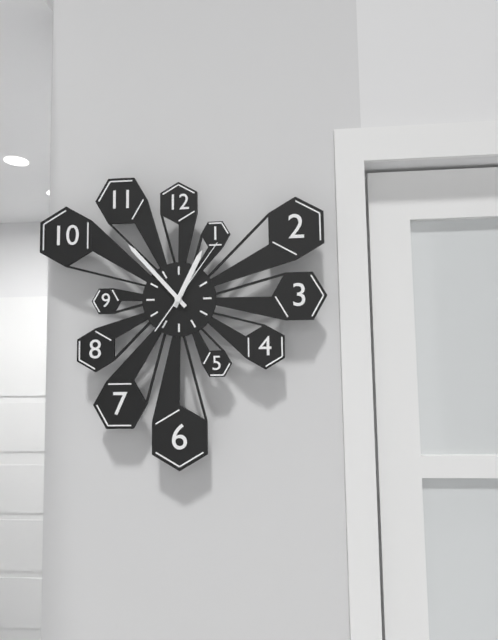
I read {"hour": 12, "minute": 53, "second": 6}
